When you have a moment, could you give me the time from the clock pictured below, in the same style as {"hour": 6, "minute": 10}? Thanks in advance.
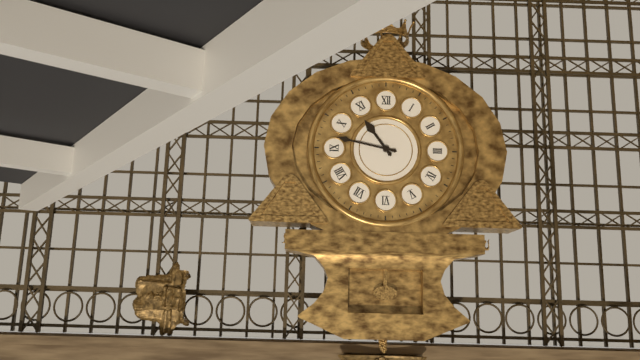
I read {"hour": 10, "minute": 47}
